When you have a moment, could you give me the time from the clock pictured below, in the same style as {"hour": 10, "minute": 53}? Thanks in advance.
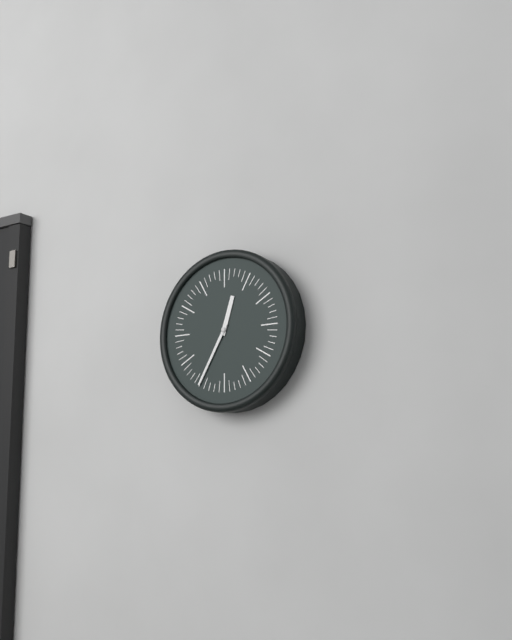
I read {"hour": 12, "minute": 35}
